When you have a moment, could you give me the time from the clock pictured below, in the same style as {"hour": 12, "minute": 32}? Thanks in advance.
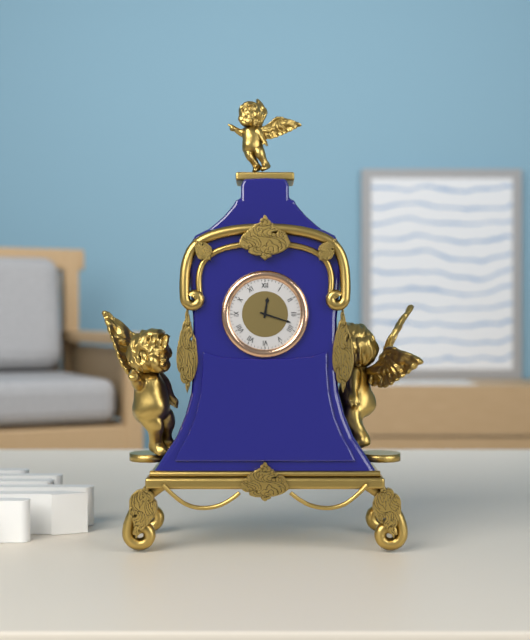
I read {"hour": 12, "minute": 18}
